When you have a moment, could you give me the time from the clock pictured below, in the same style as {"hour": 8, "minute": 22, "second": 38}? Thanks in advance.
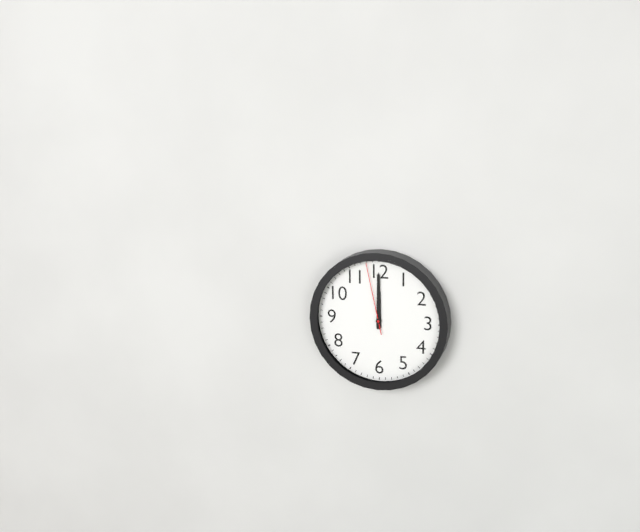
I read {"hour": 12, "minute": 0, "second": 58}
